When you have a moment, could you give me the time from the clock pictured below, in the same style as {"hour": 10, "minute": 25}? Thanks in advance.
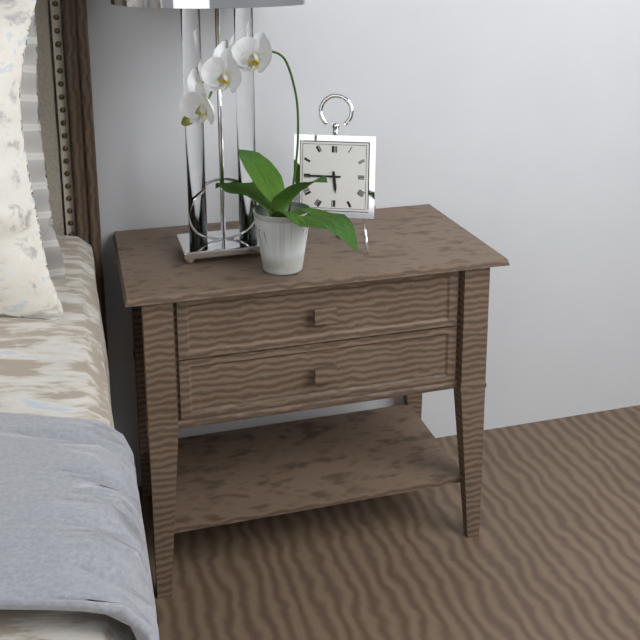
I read {"hour": 5, "minute": 45}
